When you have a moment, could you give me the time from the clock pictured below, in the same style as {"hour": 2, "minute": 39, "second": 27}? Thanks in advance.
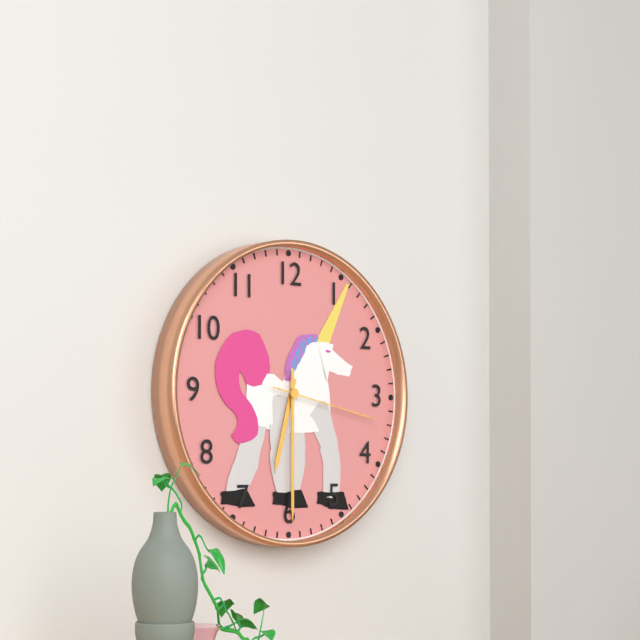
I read {"hour": 6, "minute": 30, "second": 17}
